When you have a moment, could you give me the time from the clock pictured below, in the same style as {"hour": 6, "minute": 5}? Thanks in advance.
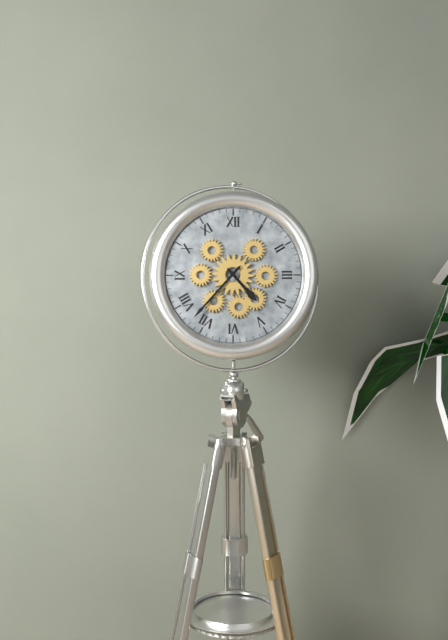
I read {"hour": 4, "minute": 37}
